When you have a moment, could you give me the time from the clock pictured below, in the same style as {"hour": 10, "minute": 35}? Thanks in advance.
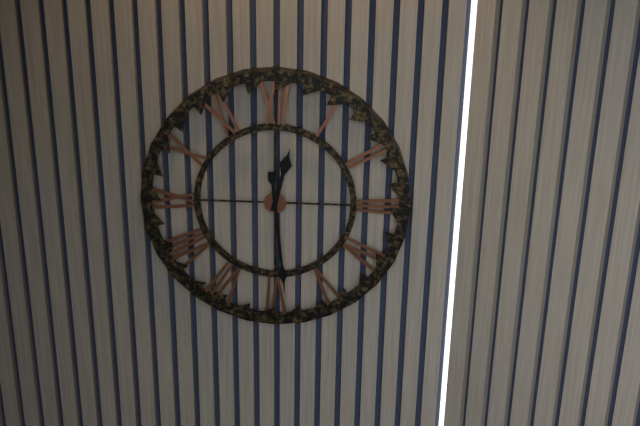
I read {"hour": 12, "minute": 29}
